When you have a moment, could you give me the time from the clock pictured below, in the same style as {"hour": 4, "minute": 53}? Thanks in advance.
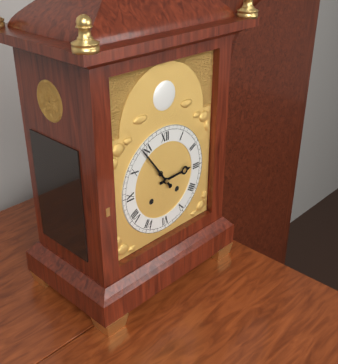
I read {"hour": 2, "minute": 54}
